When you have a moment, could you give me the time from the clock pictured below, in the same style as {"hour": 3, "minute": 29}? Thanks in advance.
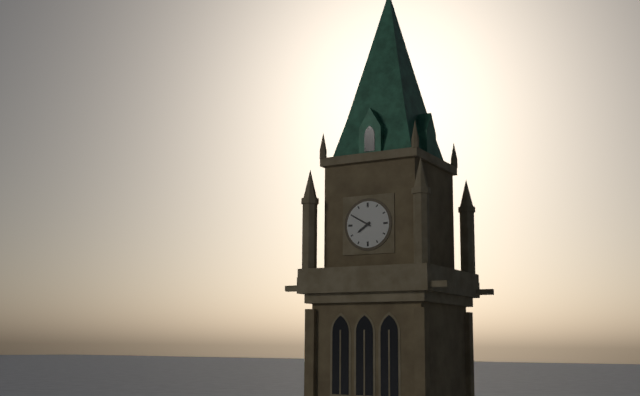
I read {"hour": 7, "minute": 50}
